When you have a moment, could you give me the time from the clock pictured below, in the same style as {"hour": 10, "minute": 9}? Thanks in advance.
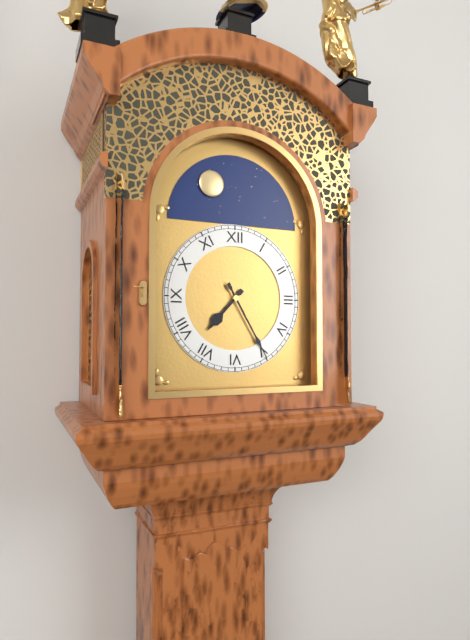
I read {"hour": 7, "minute": 25}
